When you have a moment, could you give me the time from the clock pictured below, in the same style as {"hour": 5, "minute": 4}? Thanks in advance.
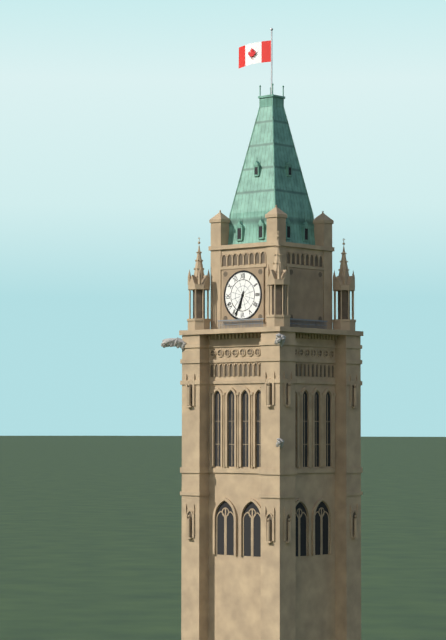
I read {"hour": 6, "minute": 34}
